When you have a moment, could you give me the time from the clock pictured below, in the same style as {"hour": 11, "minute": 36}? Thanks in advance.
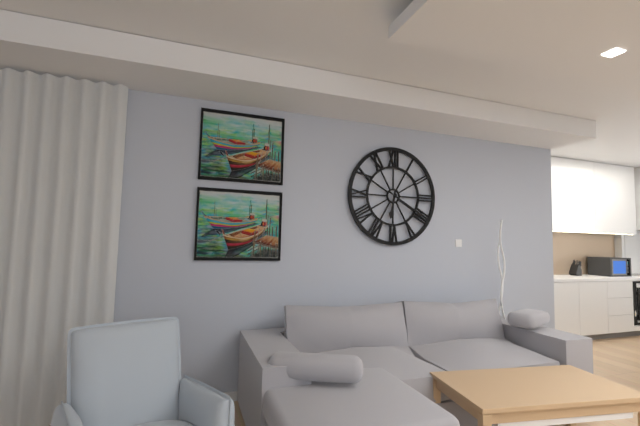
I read {"hour": 6, "minute": 20}
